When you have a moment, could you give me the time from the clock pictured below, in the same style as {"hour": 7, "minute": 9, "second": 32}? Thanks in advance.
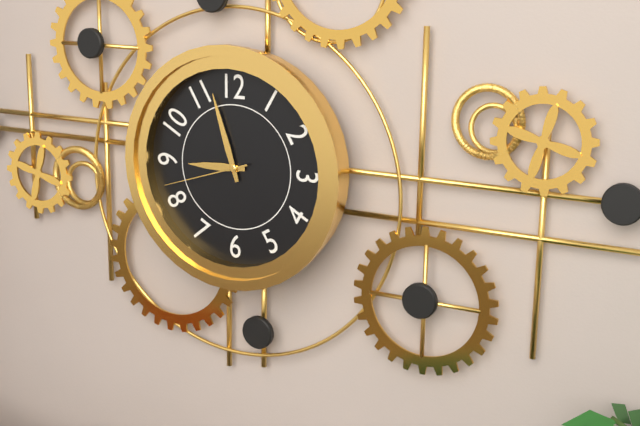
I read {"hour": 8, "minute": 57, "second": 42}
